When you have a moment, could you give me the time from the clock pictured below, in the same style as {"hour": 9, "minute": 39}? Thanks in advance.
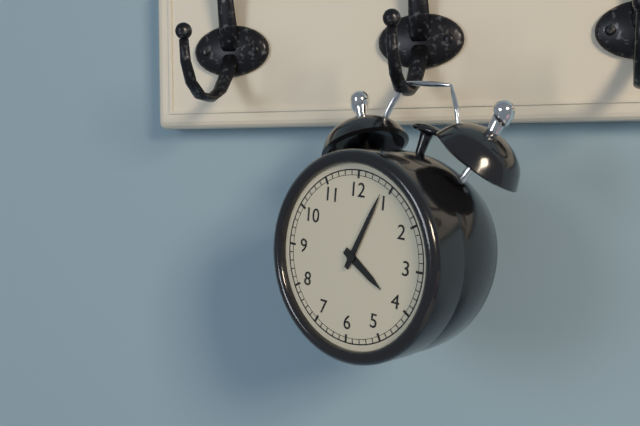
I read {"hour": 4, "minute": 4}
